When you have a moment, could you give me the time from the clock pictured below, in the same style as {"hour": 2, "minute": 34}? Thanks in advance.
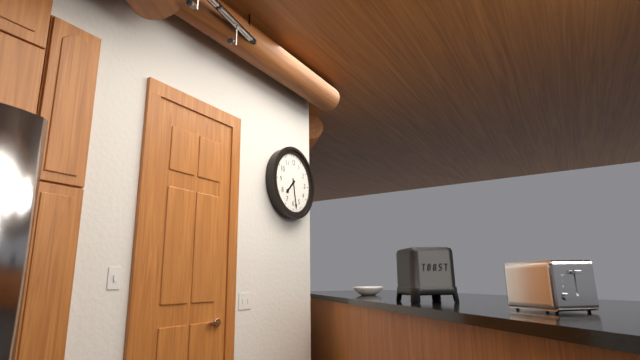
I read {"hour": 7, "minute": 28}
